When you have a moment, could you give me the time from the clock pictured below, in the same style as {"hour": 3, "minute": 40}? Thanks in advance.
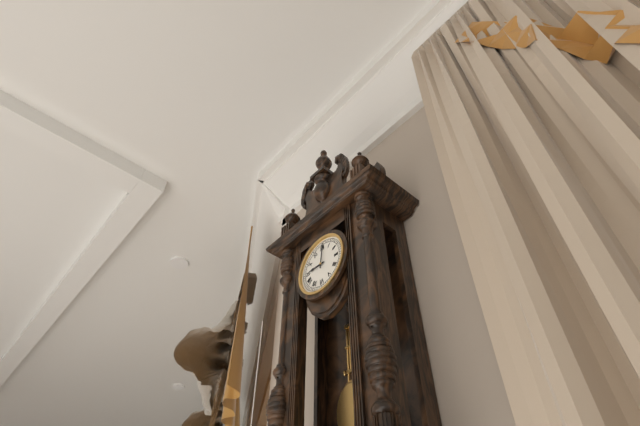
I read {"hour": 9, "minute": 1}
